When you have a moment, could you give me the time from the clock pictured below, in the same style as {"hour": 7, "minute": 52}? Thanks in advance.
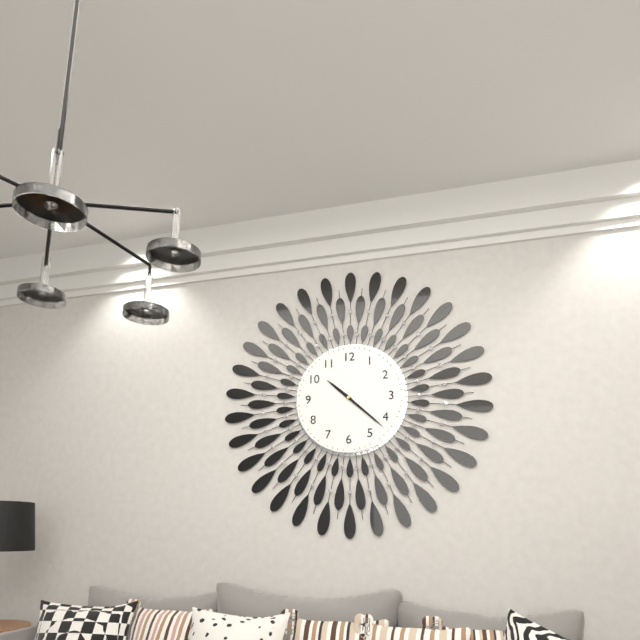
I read {"hour": 10, "minute": 22}
